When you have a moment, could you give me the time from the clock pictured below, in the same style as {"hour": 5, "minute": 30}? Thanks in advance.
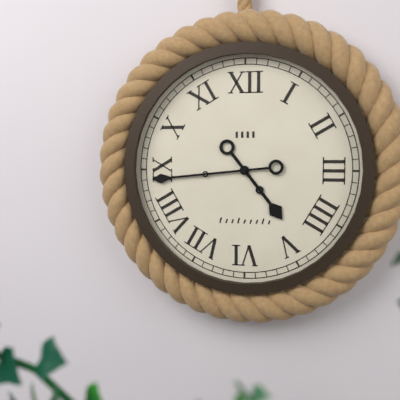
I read {"hour": 4, "minute": 44}
